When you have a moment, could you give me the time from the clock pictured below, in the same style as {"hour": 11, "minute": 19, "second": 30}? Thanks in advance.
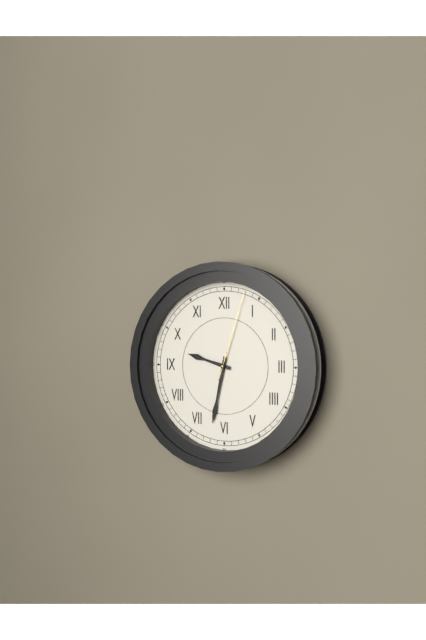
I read {"hour": 9, "minute": 32, "second": 3}
